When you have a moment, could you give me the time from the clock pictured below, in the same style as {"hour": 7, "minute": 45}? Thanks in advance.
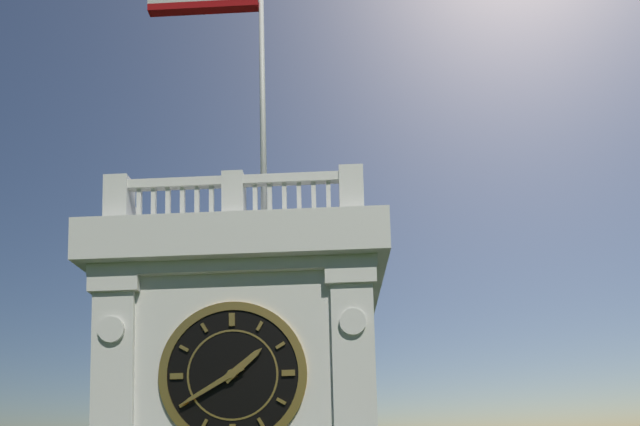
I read {"hour": 1, "minute": 40}
